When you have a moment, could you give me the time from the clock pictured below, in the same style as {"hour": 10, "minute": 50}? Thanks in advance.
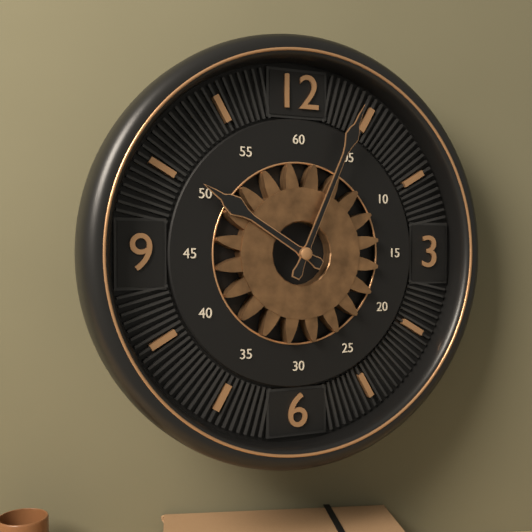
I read {"hour": 10, "minute": 4}
